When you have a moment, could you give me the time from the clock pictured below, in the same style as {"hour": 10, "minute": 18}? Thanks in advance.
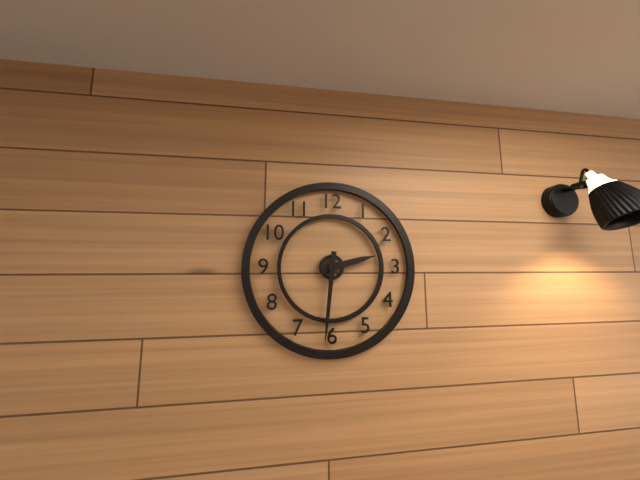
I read {"hour": 2, "minute": 31}
